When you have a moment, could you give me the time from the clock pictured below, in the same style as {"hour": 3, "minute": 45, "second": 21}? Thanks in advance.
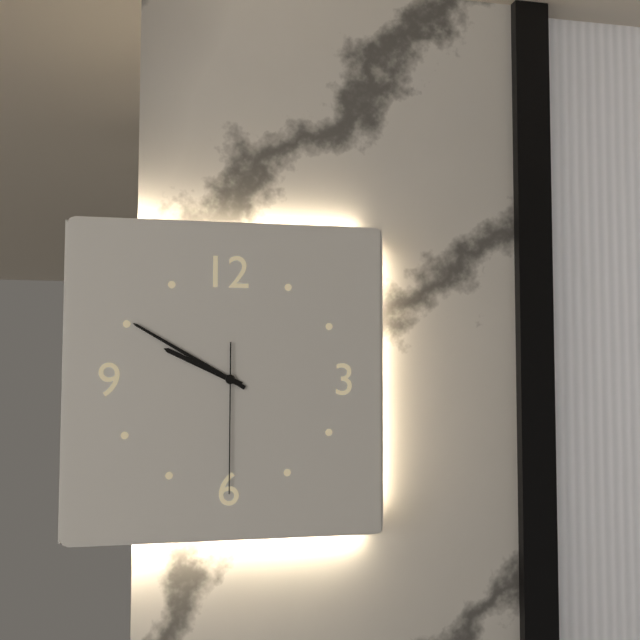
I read {"hour": 9, "minute": 50, "second": 30}
